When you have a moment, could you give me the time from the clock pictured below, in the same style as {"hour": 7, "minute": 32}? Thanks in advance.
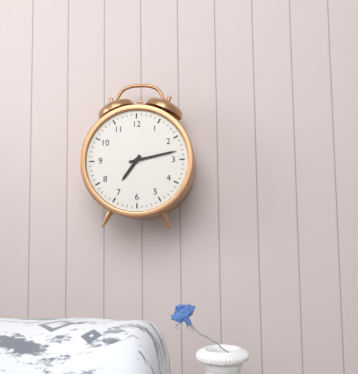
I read {"hour": 7, "minute": 13}
